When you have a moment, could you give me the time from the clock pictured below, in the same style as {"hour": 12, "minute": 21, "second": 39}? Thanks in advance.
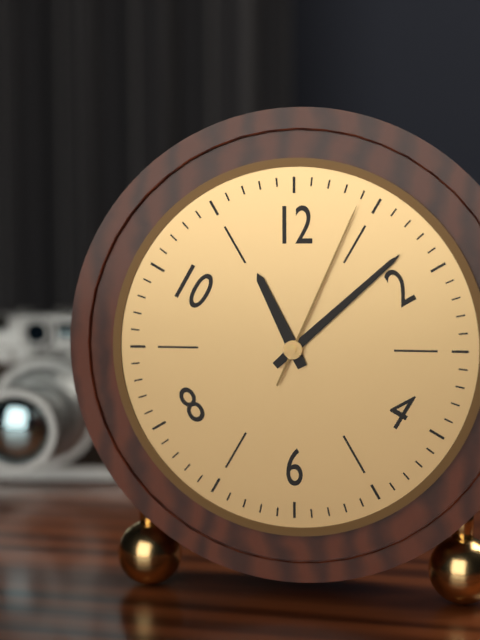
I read {"hour": 11, "minute": 8, "second": 4}
